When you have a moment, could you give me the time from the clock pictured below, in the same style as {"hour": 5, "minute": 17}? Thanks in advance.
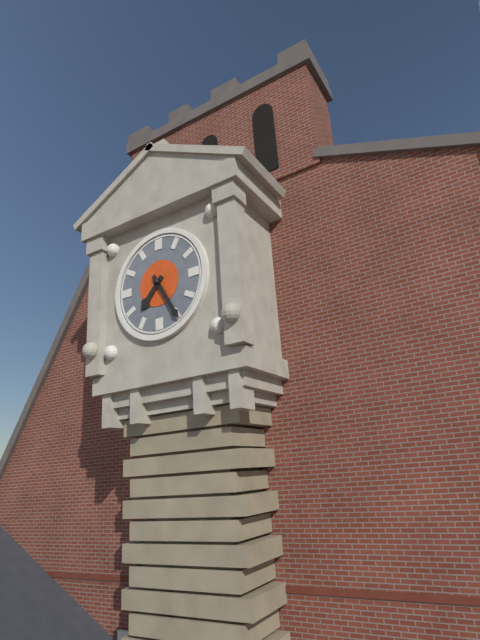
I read {"hour": 7, "minute": 25}
